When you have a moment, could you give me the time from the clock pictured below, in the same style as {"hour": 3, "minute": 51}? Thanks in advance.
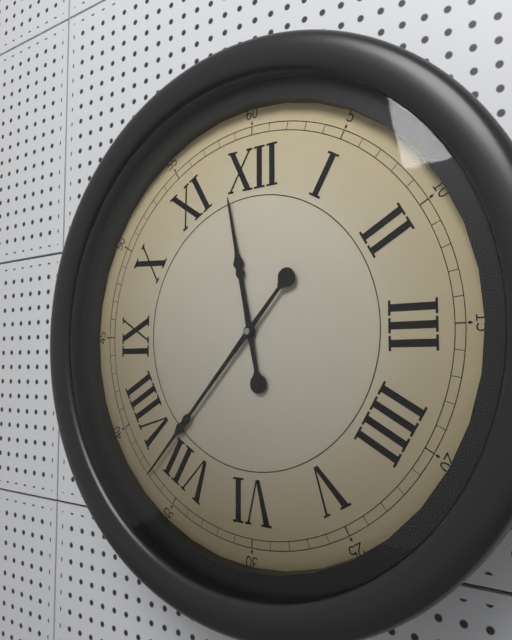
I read {"hour": 11, "minute": 37}
